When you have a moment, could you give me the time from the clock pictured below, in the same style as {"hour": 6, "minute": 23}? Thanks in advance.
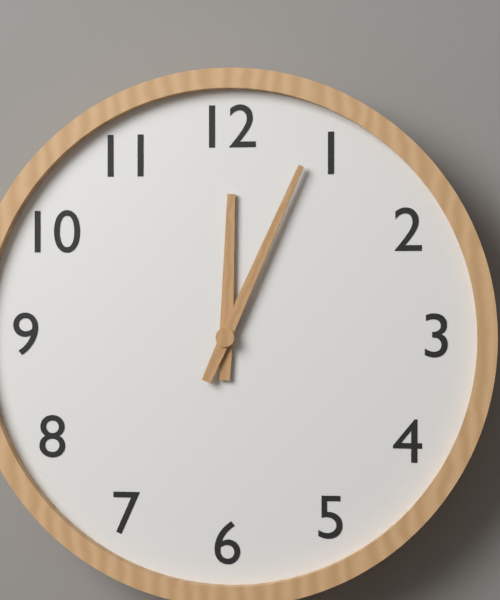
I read {"hour": 12, "minute": 4}
